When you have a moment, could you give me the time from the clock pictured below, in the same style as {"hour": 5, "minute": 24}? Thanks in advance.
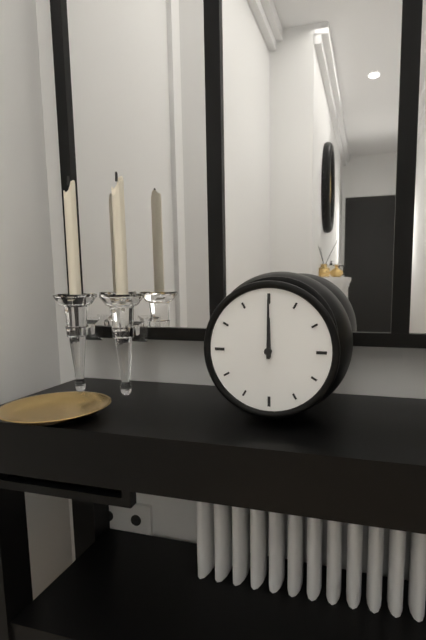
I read {"hour": 12, "minute": 0}
